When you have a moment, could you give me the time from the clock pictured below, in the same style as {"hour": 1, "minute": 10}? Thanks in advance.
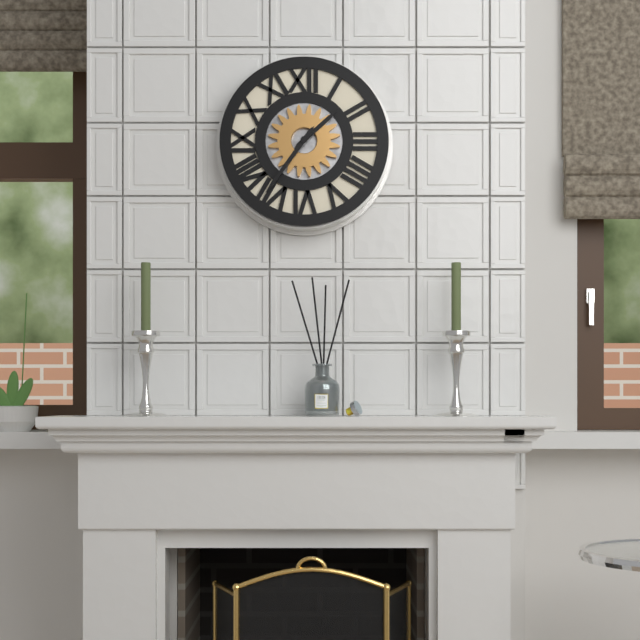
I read {"hour": 1, "minute": 36}
